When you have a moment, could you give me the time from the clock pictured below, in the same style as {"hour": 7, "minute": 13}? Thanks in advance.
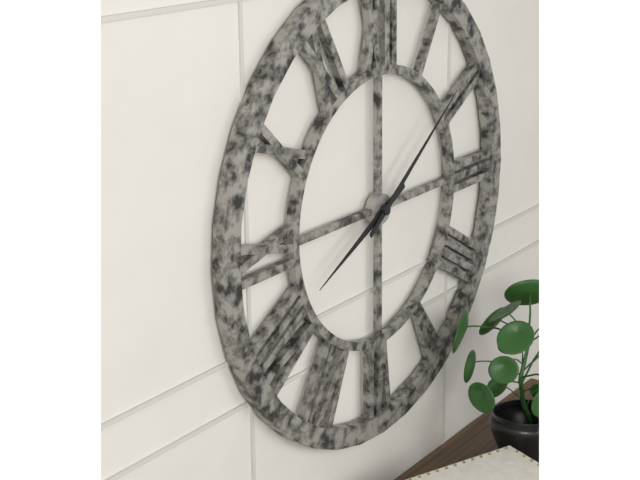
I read {"hour": 8, "minute": 9}
